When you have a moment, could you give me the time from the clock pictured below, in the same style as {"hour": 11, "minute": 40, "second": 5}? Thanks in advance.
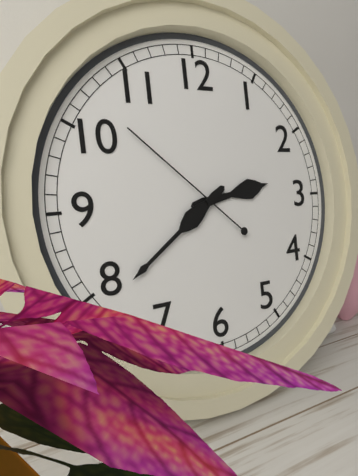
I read {"hour": 2, "minute": 39, "second": 52}
